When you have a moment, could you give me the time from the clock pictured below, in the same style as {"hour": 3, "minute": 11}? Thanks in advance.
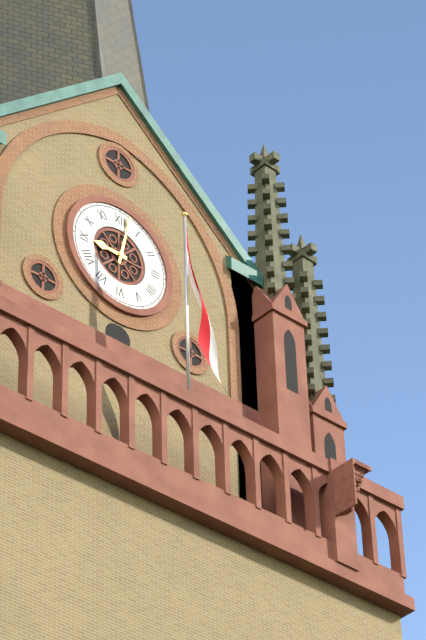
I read {"hour": 9, "minute": 2}
